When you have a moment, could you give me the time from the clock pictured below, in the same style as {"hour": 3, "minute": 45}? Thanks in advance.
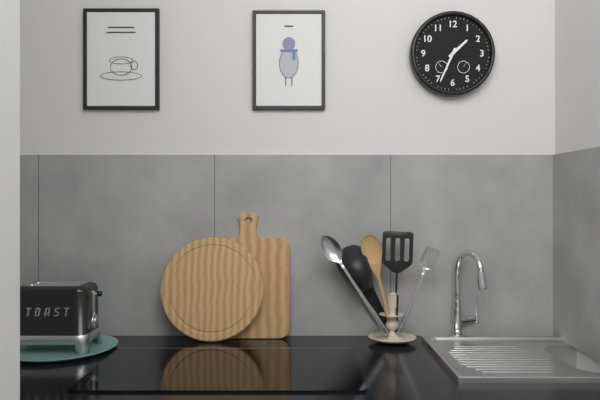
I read {"hour": 1, "minute": 34}
